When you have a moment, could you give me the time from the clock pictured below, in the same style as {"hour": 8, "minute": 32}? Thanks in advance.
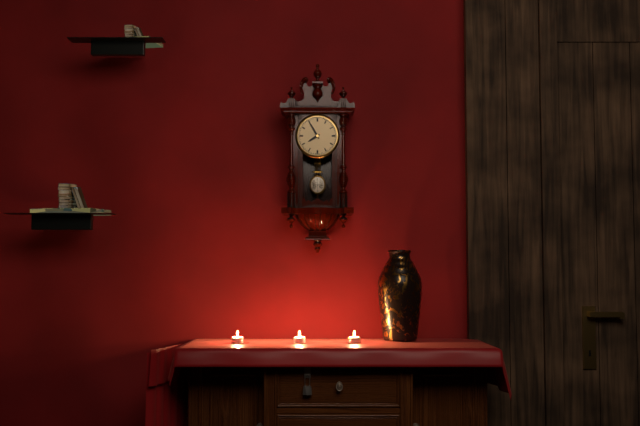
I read {"hour": 7, "minute": 55}
